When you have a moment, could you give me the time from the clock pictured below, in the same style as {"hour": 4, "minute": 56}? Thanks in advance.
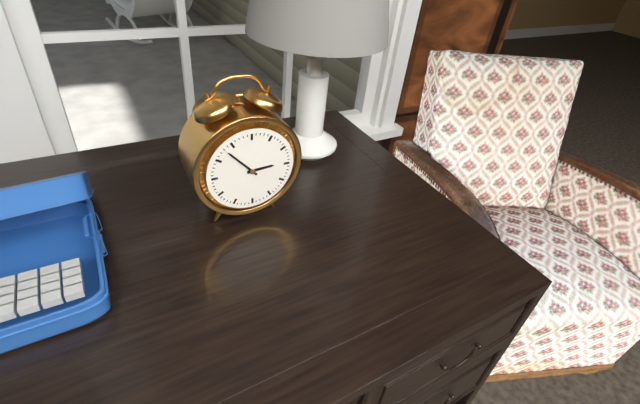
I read {"hour": 2, "minute": 53}
